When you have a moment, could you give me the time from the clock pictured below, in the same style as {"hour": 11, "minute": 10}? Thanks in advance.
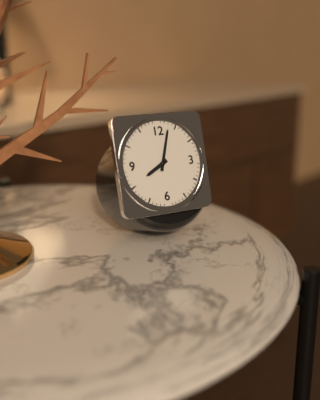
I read {"hour": 8, "minute": 3}
